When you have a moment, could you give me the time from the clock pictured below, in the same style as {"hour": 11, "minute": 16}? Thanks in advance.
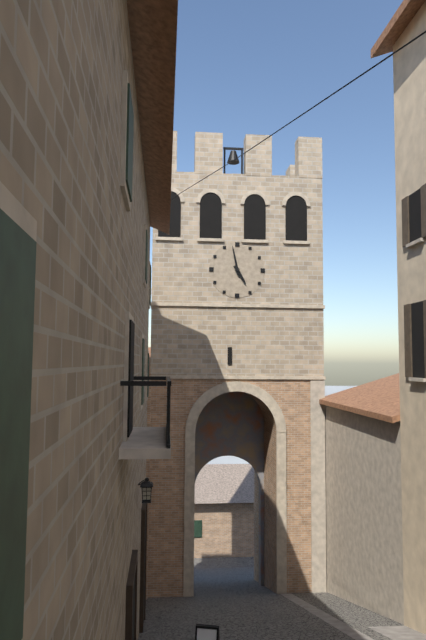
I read {"hour": 4, "minute": 58}
